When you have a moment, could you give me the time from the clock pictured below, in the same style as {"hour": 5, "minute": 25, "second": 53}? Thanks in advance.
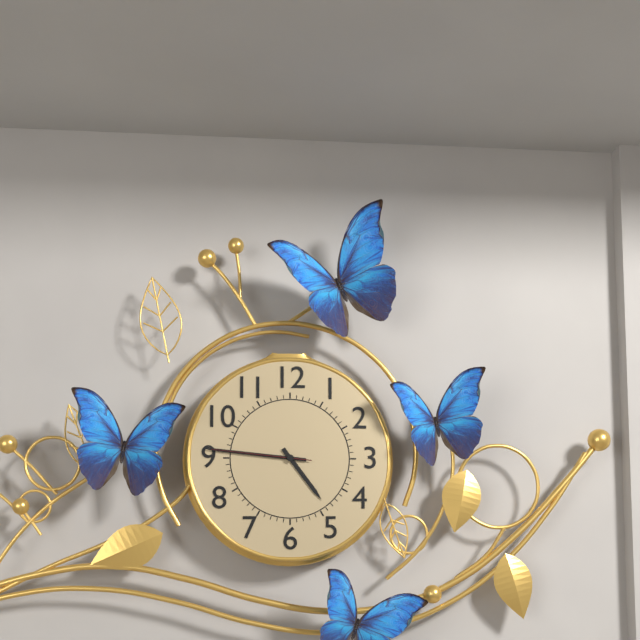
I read {"hour": 4, "minute": 46, "second": 46}
